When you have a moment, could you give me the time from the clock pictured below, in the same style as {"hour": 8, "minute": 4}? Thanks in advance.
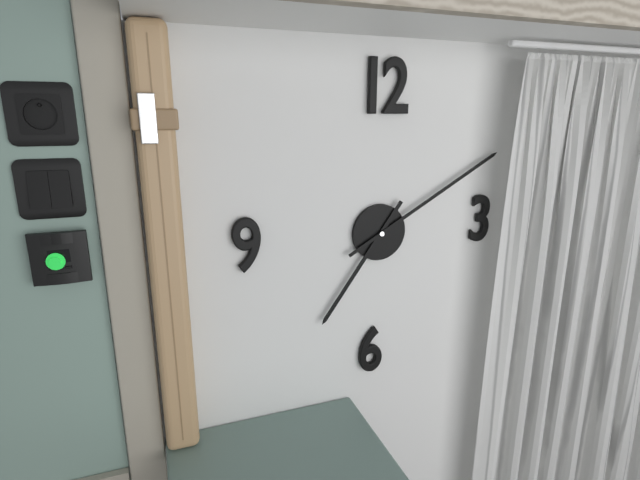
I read {"hour": 7, "minute": 10}
